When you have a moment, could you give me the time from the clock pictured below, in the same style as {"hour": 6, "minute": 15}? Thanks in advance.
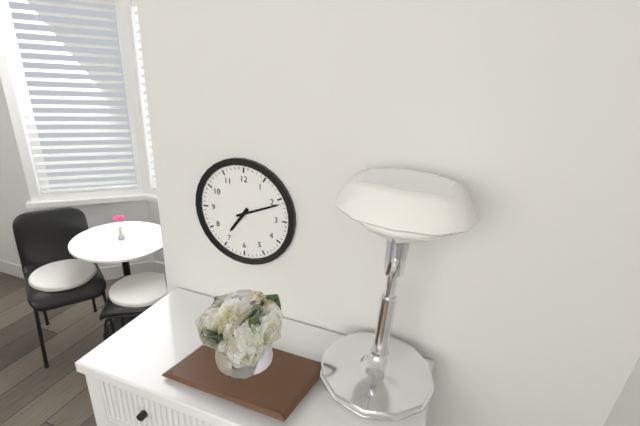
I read {"hour": 7, "minute": 11}
